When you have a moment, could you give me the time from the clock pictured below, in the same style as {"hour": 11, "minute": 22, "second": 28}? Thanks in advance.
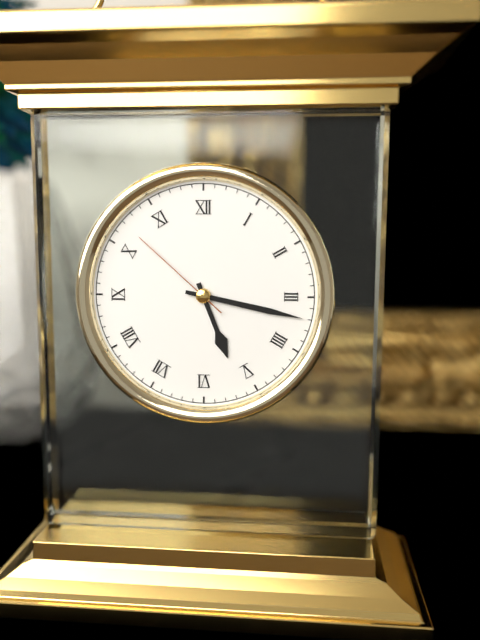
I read {"hour": 5, "minute": 17, "second": 52}
